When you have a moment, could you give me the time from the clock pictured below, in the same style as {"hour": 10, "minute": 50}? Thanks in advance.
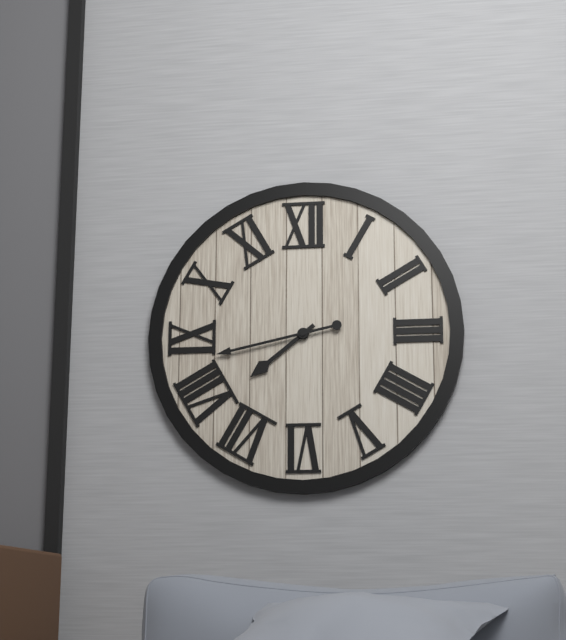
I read {"hour": 7, "minute": 43}
